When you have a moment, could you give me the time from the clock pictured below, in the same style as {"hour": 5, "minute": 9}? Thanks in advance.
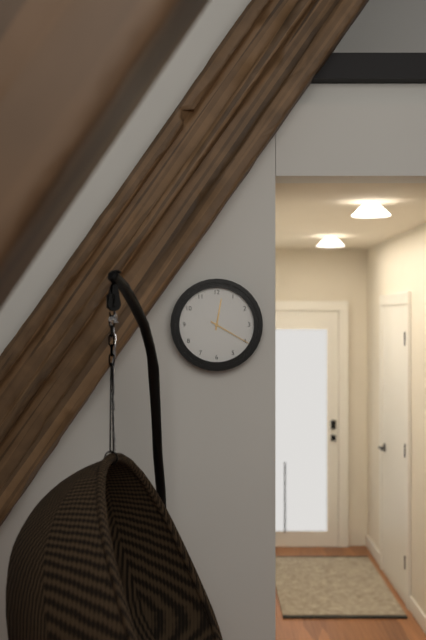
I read {"hour": 12, "minute": 20}
